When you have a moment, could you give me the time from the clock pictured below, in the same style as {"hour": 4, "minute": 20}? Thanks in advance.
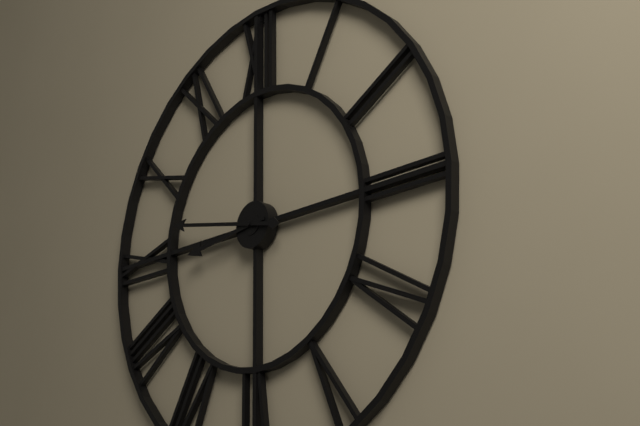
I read {"hour": 8, "minute": 47}
